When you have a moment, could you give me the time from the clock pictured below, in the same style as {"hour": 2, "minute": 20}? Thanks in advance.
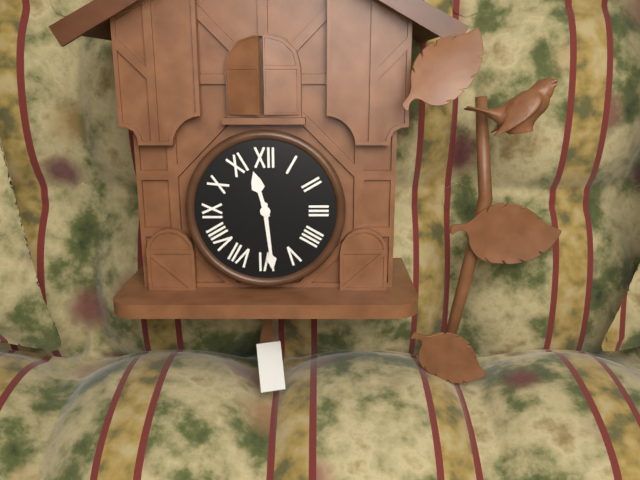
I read {"hour": 11, "minute": 29}
